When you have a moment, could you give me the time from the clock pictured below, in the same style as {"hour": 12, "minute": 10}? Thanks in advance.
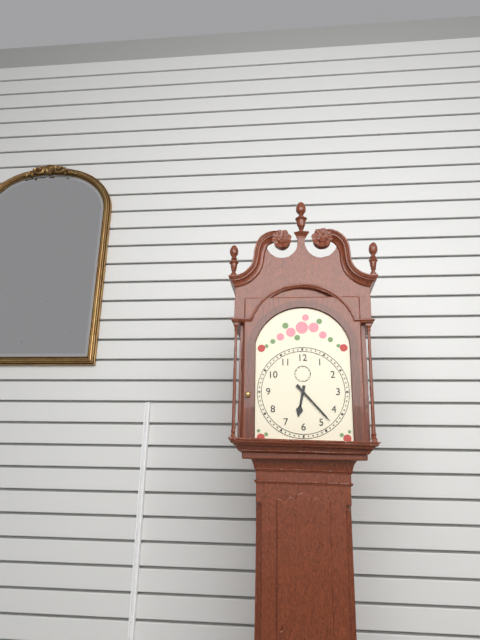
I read {"hour": 6, "minute": 23}
